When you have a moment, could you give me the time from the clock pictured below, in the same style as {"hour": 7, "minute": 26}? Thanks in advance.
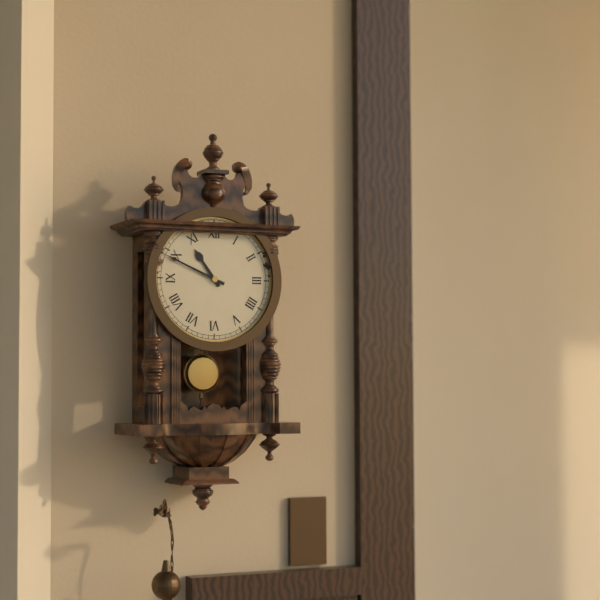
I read {"hour": 10, "minute": 49}
